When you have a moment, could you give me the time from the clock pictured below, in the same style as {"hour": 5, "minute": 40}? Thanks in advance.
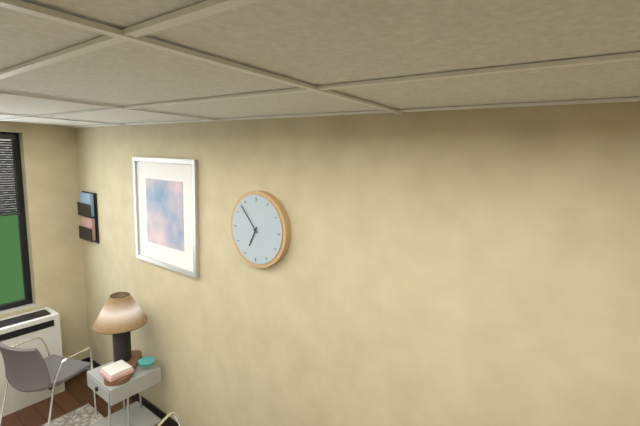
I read {"hour": 6, "minute": 53}
